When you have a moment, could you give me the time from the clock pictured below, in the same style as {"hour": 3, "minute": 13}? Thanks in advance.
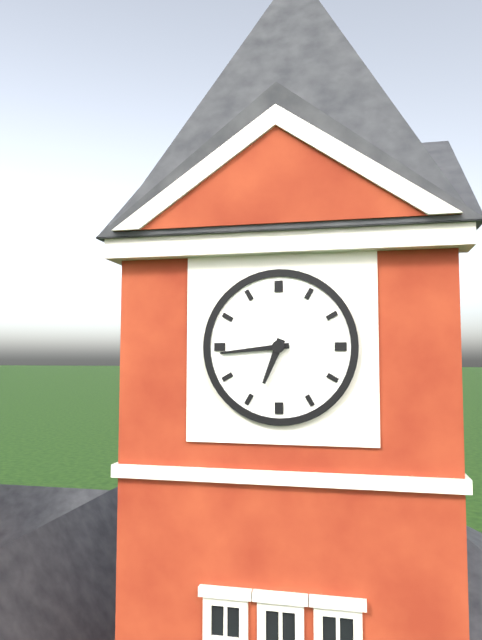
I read {"hour": 6, "minute": 44}
